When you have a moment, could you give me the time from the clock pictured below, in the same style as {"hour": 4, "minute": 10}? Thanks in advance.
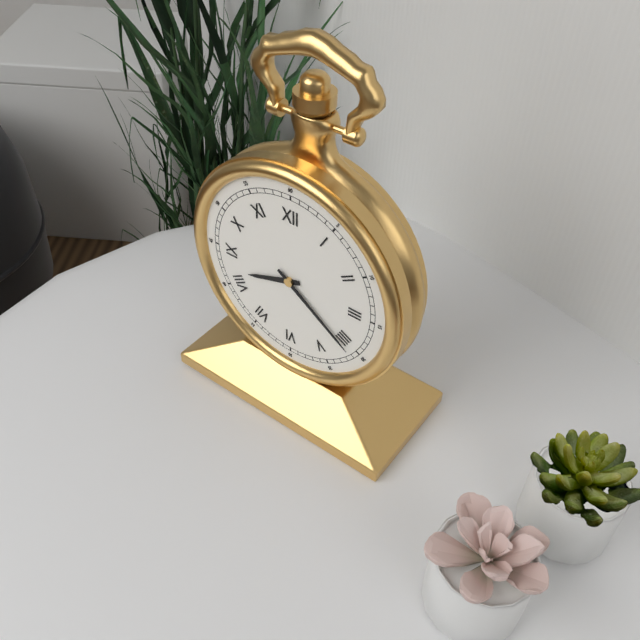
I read {"hour": 8, "minute": 21}
